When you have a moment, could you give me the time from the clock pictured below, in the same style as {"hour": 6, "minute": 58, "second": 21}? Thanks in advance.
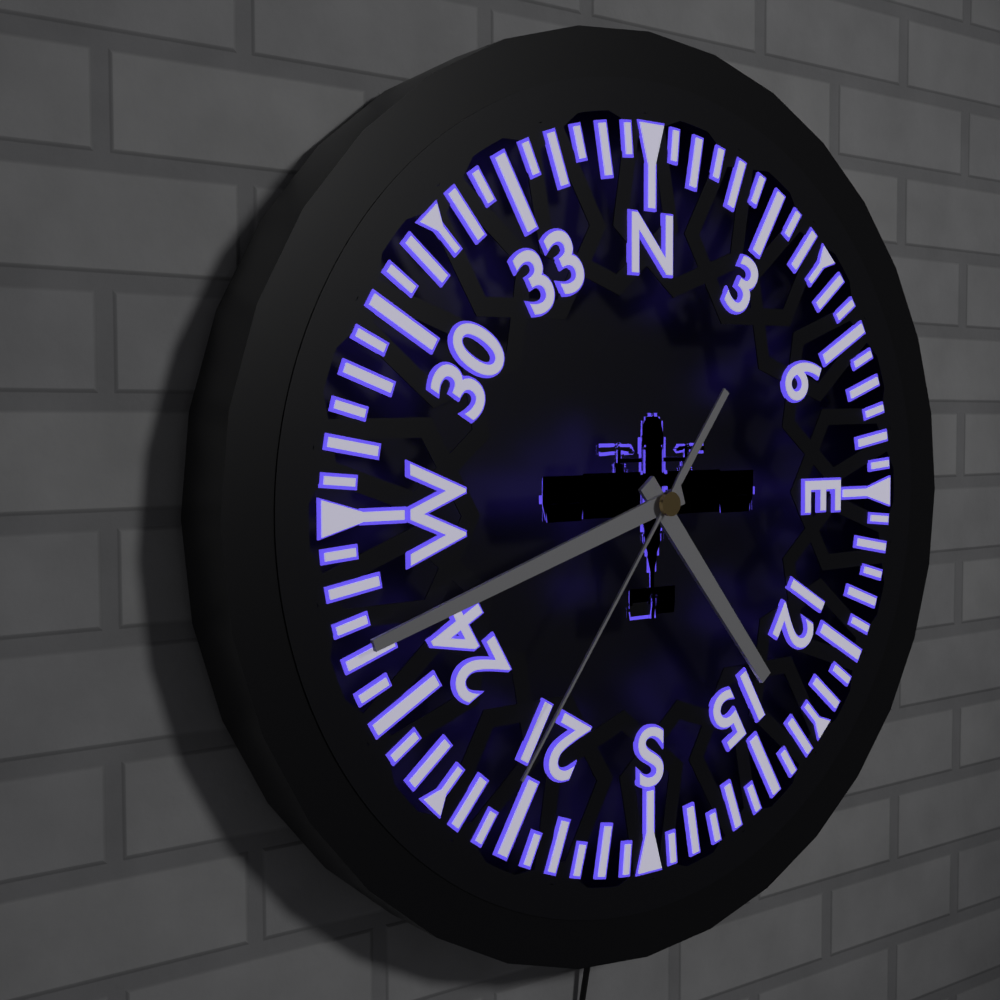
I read {"hour": 4, "minute": 42, "second": 36}
